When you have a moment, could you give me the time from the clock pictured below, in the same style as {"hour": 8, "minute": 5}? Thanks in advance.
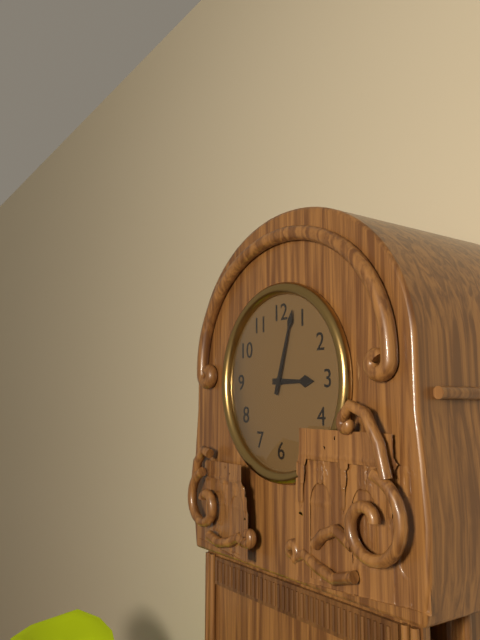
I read {"hour": 3, "minute": 3}
